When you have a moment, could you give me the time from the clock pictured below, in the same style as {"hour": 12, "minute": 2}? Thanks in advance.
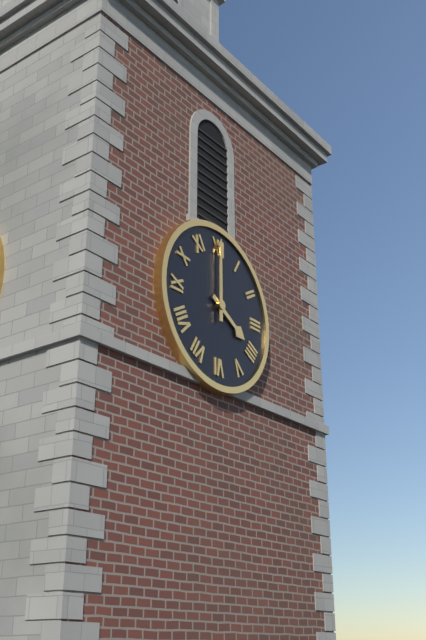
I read {"hour": 4, "minute": 0}
